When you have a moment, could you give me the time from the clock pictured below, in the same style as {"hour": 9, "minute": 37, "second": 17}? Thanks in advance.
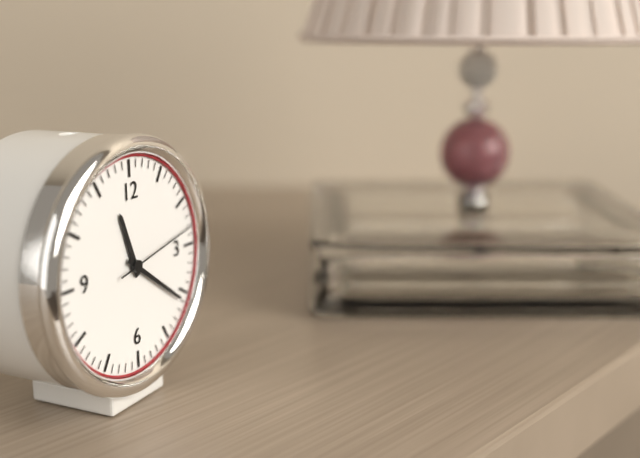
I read {"hour": 11, "minute": 21, "second": 13}
